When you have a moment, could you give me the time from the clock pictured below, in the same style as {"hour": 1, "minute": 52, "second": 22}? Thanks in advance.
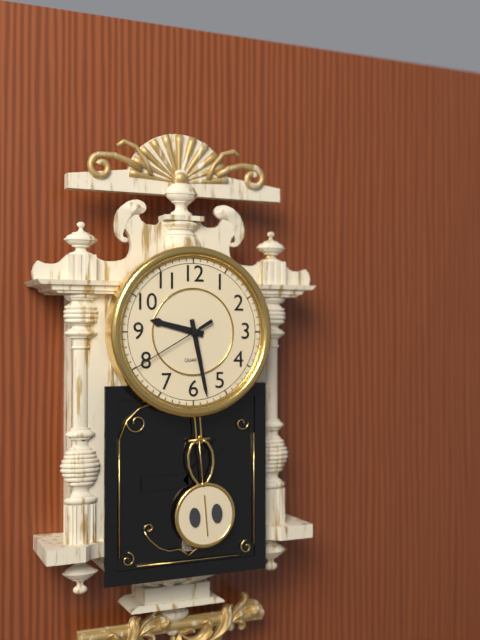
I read {"hour": 9, "minute": 28, "second": 40}
